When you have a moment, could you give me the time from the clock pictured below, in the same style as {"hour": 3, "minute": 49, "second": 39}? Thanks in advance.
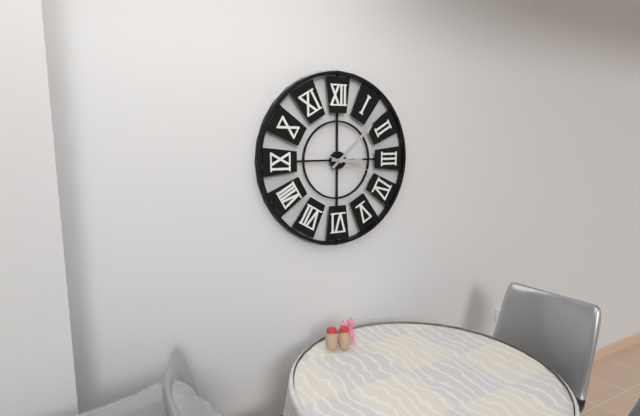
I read {"hour": 3, "minute": 8, "second": 18}
